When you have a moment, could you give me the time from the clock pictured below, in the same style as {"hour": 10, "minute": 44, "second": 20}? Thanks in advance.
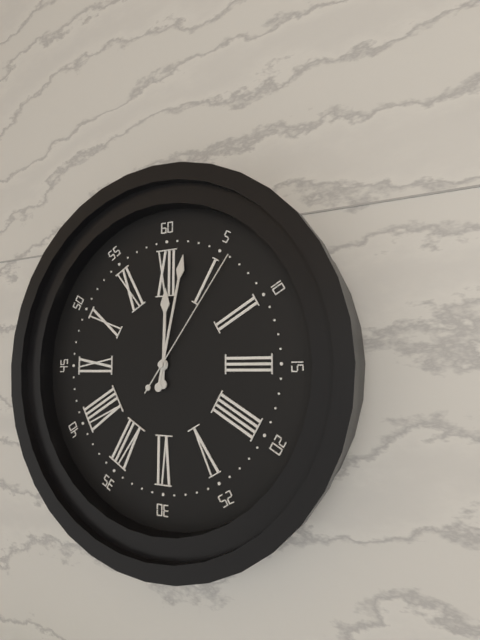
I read {"hour": 12, "minute": 2, "second": 6}
